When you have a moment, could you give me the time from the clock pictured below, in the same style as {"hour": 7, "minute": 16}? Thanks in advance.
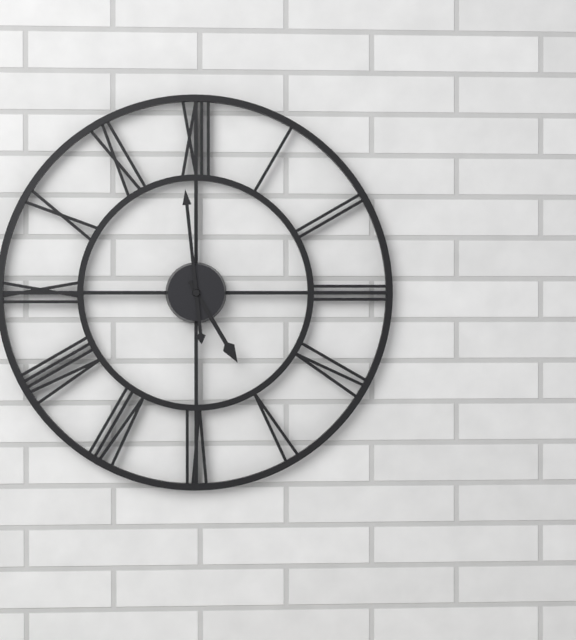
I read {"hour": 4, "minute": 59}
